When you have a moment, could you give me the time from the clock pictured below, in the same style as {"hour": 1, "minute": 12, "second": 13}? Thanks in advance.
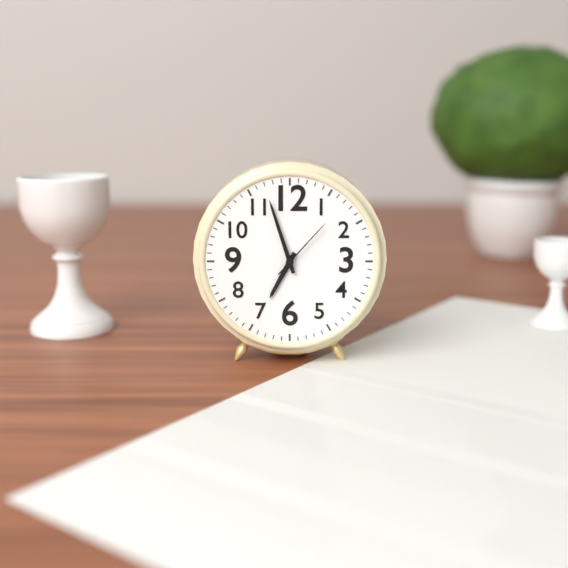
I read {"hour": 6, "minute": 57, "second": 7}
